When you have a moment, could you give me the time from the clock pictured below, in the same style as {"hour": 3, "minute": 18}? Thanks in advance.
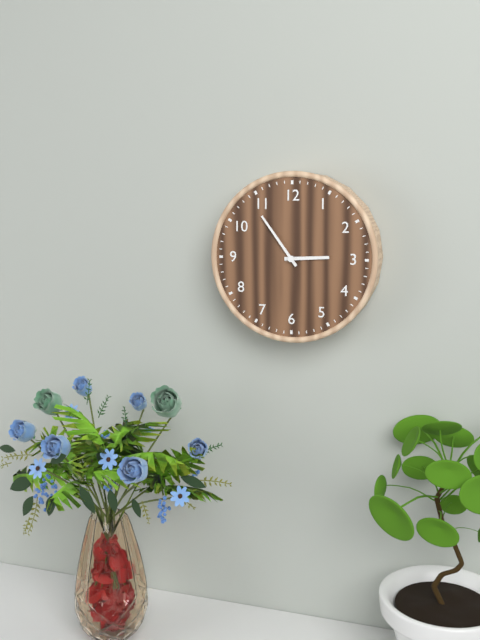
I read {"hour": 2, "minute": 54}
